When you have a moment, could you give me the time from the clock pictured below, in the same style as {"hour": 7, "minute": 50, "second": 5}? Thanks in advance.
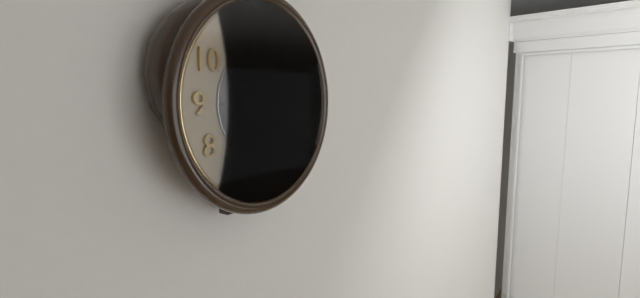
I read {"hour": 7, "minute": 18, "second": 34}
